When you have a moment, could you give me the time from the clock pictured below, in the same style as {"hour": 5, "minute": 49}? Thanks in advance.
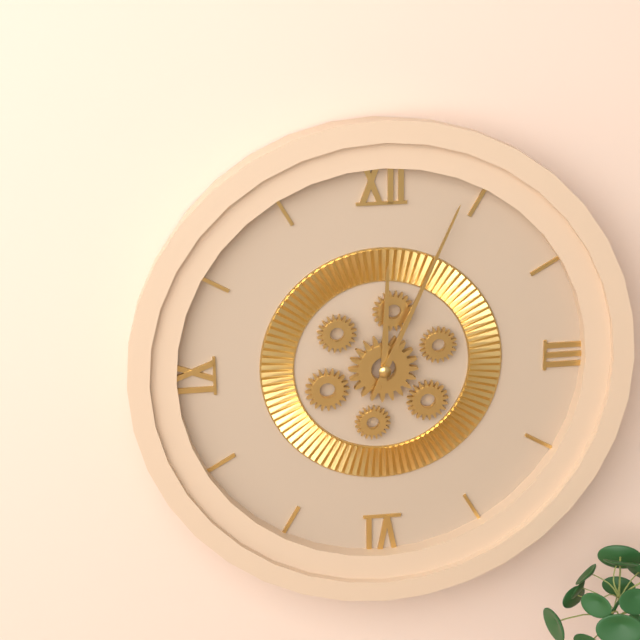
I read {"hour": 12, "minute": 4}
